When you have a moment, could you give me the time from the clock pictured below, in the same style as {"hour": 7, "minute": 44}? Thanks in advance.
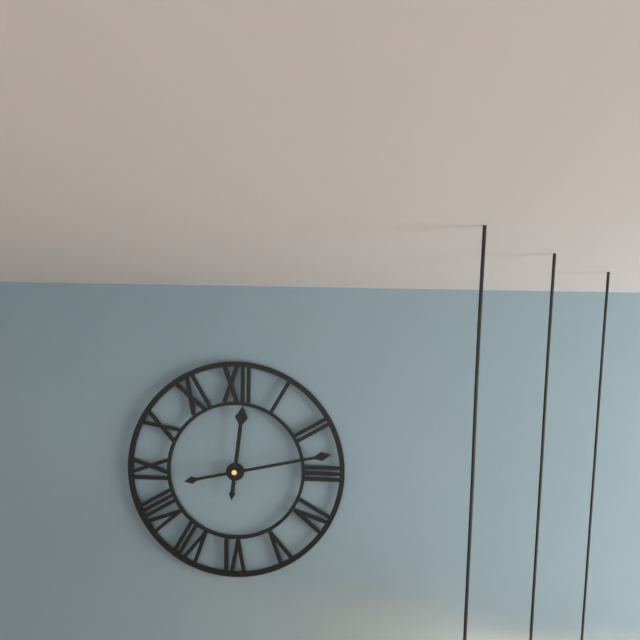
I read {"hour": 12, "minute": 13}
